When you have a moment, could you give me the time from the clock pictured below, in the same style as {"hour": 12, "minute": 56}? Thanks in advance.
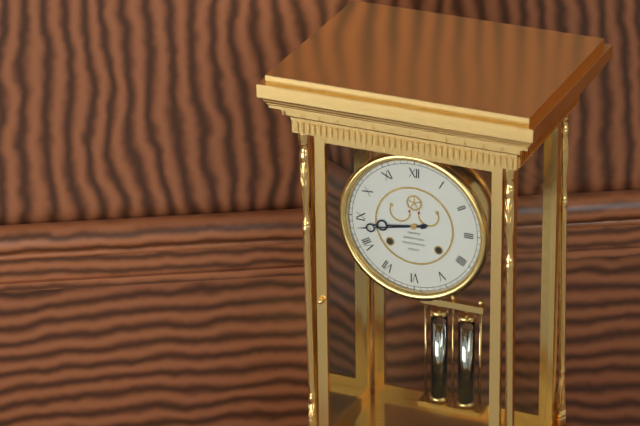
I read {"hour": 8, "minute": 43}
